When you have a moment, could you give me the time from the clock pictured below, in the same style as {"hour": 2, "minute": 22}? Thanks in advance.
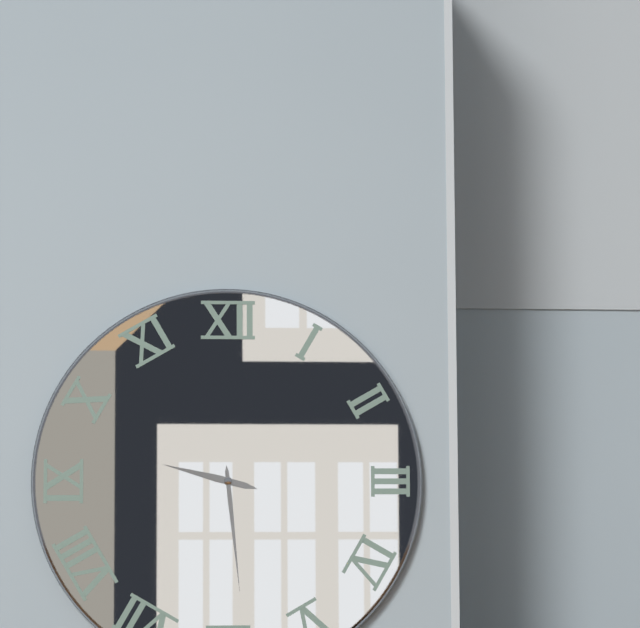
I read {"hour": 9, "minute": 29}
